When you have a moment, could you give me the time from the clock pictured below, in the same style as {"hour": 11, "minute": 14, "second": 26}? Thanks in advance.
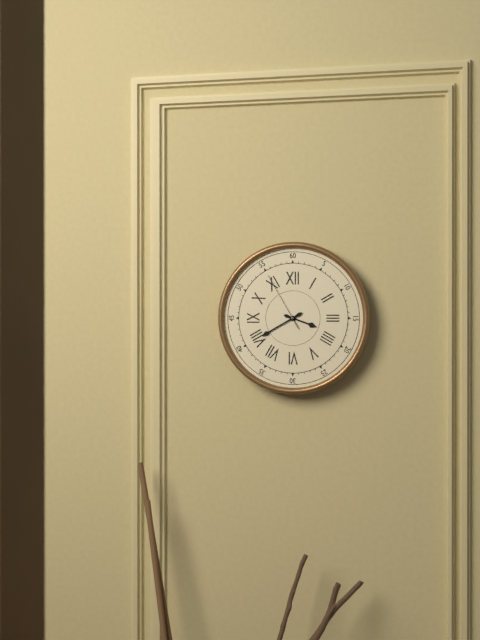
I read {"hour": 3, "minute": 40, "second": 55}
